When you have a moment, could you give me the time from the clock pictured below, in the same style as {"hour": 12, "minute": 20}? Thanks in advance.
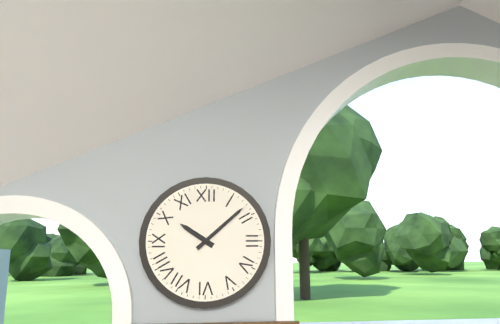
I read {"hour": 10, "minute": 8}
